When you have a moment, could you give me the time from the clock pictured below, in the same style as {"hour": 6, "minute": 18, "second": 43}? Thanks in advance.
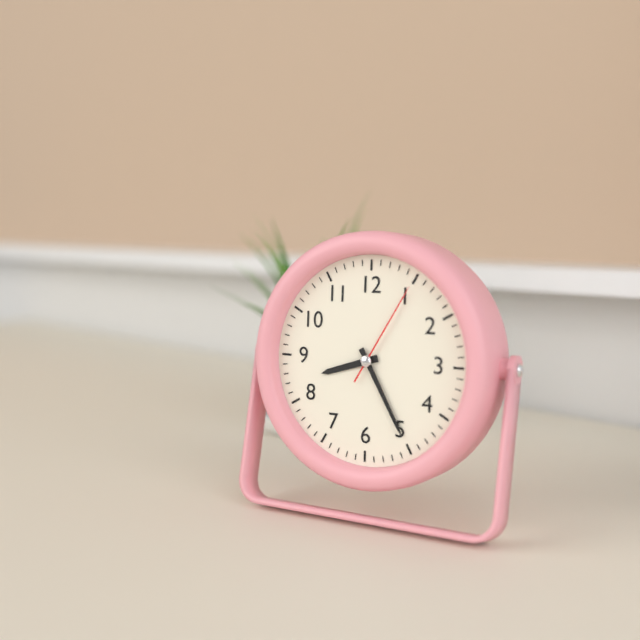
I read {"hour": 8, "minute": 25, "second": 5}
